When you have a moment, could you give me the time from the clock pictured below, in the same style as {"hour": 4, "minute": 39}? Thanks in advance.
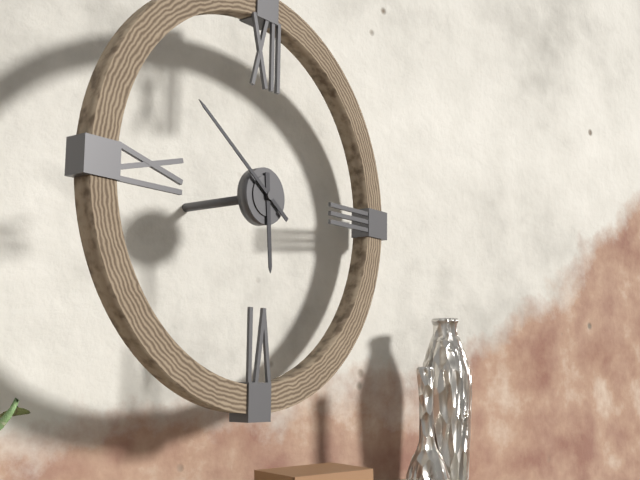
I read {"hour": 5, "minute": 51}
